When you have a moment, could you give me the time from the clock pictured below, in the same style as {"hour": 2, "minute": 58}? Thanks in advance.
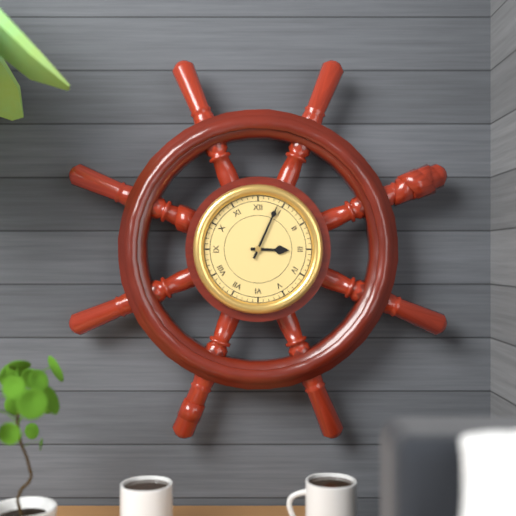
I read {"hour": 3, "minute": 4}
